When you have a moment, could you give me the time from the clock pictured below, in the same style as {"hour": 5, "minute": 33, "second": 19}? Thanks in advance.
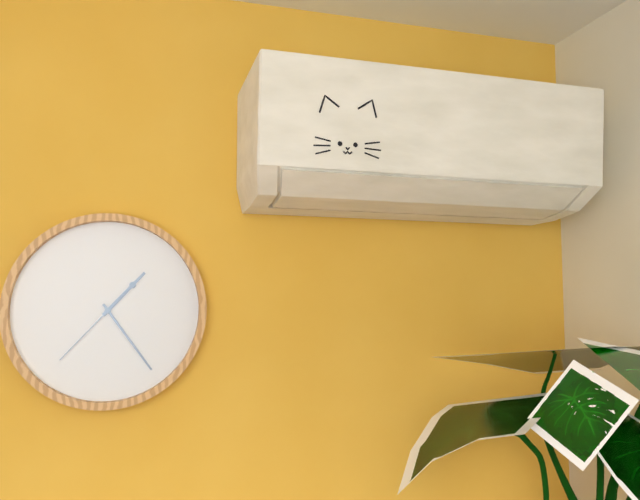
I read {"hour": 1, "minute": 24, "second": 37}
